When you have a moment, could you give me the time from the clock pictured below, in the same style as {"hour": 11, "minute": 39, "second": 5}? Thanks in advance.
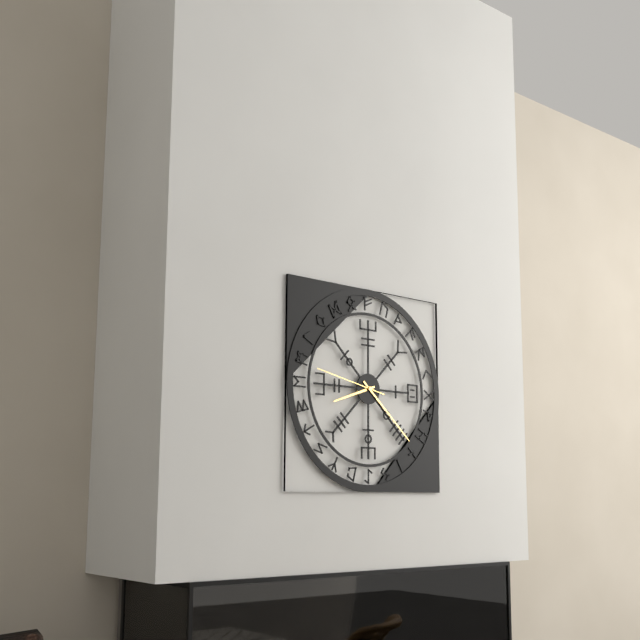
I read {"hour": 8, "minute": 22, "second": 47}
